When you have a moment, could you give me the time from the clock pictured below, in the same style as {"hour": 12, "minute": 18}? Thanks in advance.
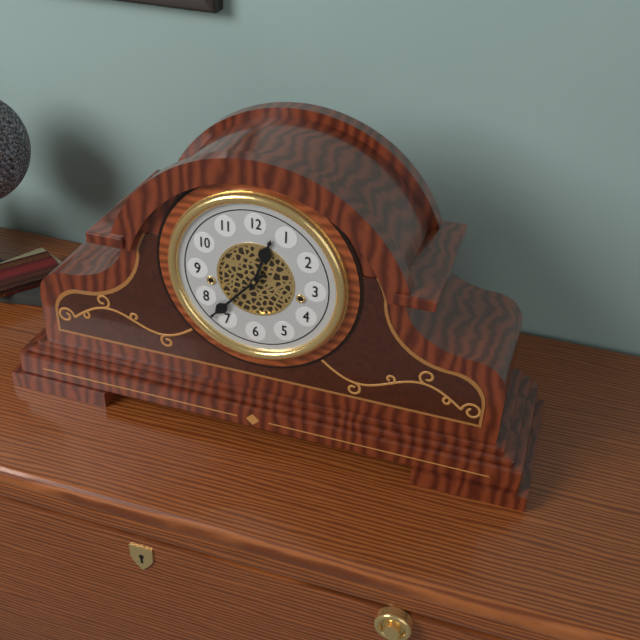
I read {"hour": 12, "minute": 37}
